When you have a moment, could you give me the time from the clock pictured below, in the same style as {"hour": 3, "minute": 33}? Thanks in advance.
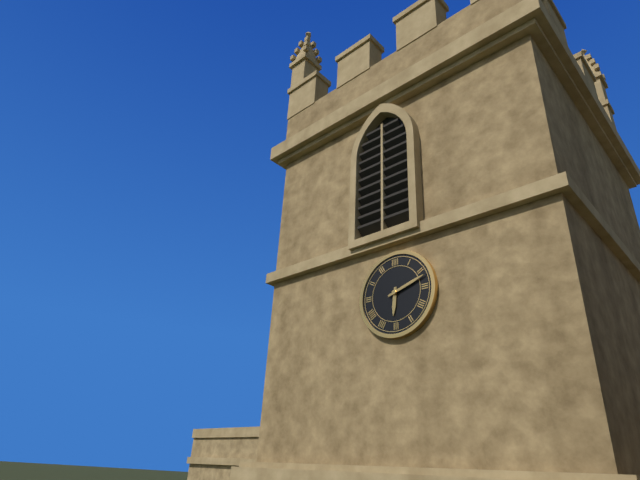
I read {"hour": 6, "minute": 12}
